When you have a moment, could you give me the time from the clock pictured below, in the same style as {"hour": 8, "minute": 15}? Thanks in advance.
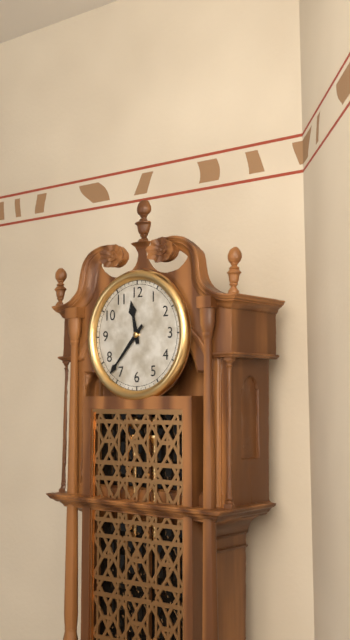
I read {"hour": 11, "minute": 37}
